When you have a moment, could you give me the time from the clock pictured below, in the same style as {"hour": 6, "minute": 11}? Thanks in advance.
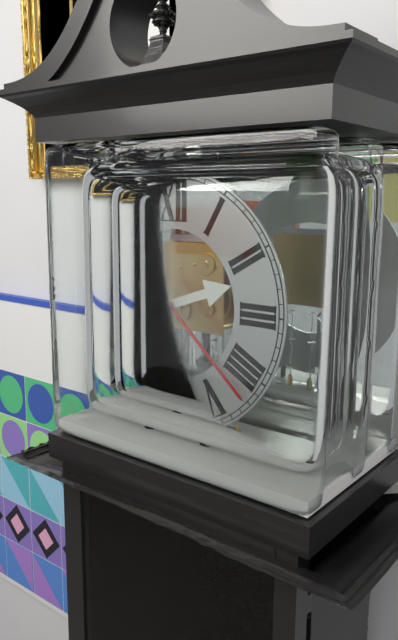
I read {"hour": 2, "minute": 22}
